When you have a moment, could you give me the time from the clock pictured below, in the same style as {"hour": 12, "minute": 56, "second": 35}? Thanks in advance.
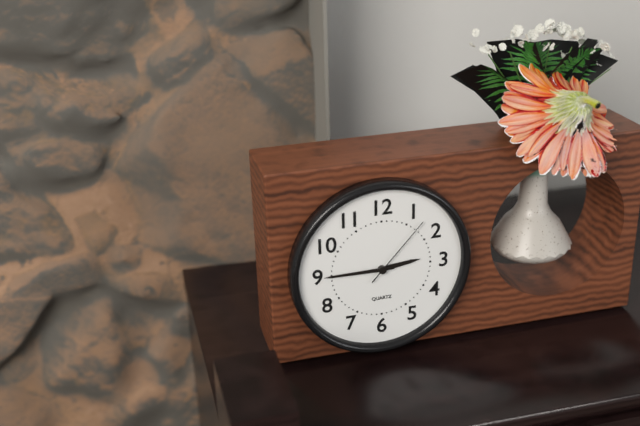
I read {"hour": 2, "minute": 45, "second": 7}
